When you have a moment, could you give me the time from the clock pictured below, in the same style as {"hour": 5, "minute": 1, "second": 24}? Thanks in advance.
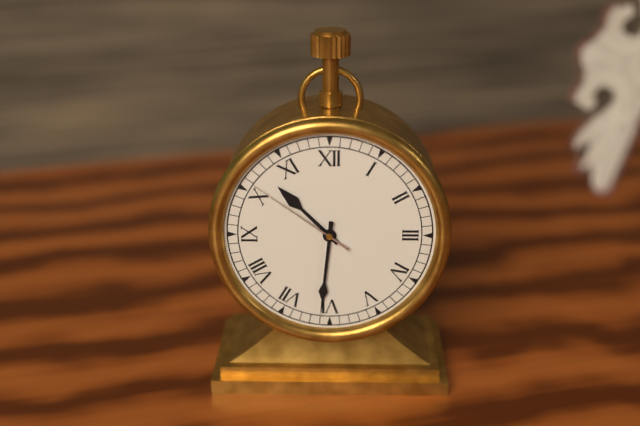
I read {"hour": 10, "minute": 31, "second": 51}
